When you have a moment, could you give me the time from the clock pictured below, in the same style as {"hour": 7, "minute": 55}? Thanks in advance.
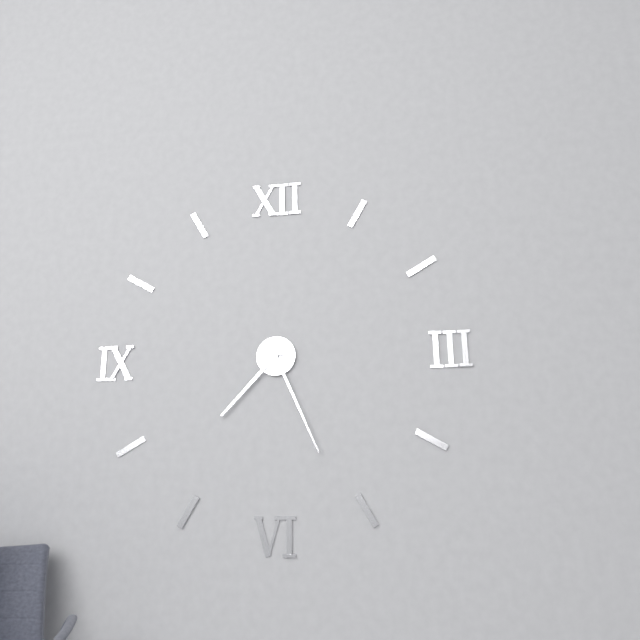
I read {"hour": 7, "minute": 26}
